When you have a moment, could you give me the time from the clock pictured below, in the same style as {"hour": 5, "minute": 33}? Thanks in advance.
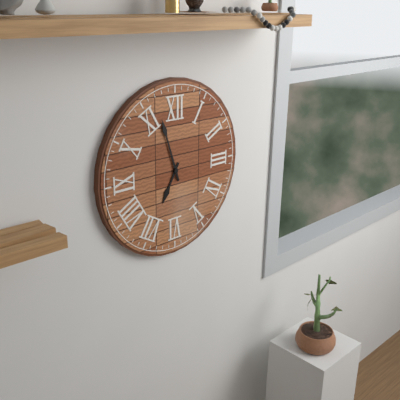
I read {"hour": 6, "minute": 57}
